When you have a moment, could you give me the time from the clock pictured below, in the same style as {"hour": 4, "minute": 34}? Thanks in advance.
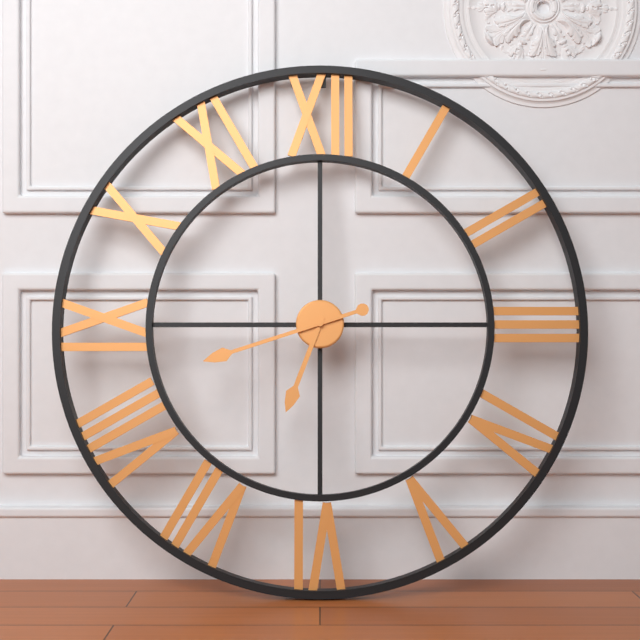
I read {"hour": 6, "minute": 42}
